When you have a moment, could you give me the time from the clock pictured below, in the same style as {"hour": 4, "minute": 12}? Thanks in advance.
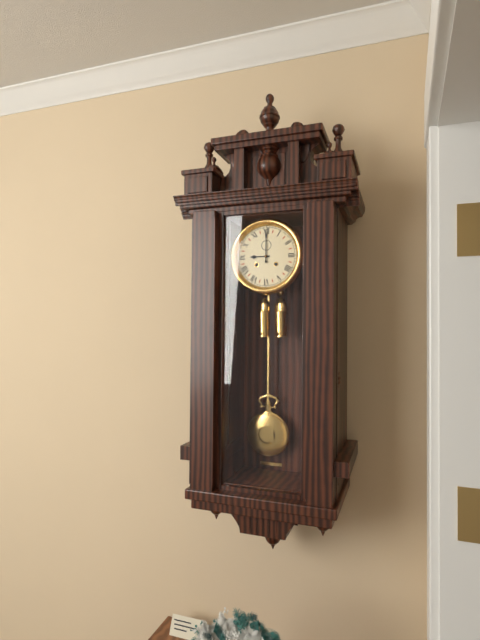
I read {"hour": 9, "minute": 0}
